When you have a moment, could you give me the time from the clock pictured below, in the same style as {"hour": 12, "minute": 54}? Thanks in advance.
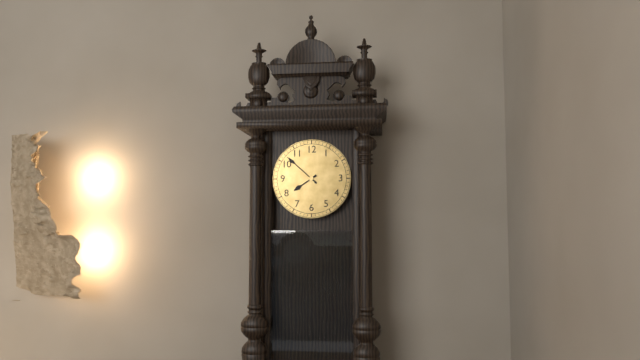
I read {"hour": 7, "minute": 52}
